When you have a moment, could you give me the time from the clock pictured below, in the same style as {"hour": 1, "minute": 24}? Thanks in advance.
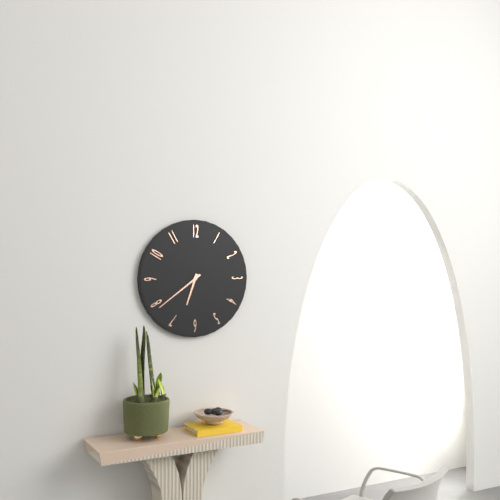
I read {"hour": 6, "minute": 39}
